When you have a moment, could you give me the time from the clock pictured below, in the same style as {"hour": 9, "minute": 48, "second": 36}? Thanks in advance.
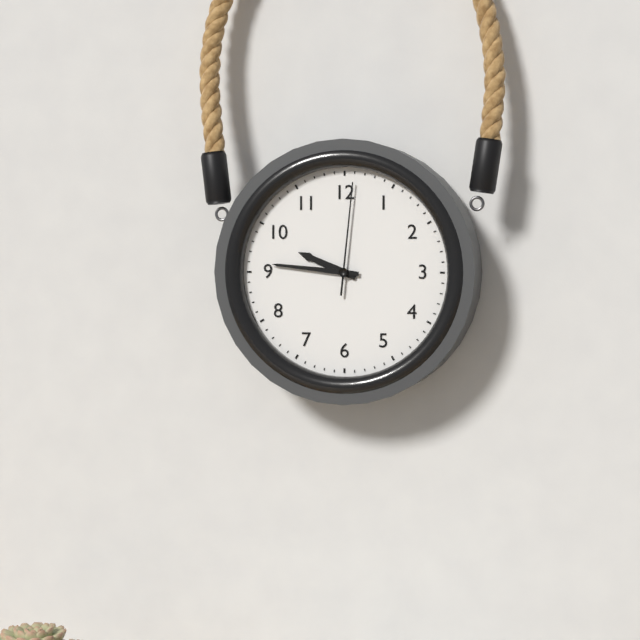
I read {"hour": 9, "minute": 46, "second": 1}
